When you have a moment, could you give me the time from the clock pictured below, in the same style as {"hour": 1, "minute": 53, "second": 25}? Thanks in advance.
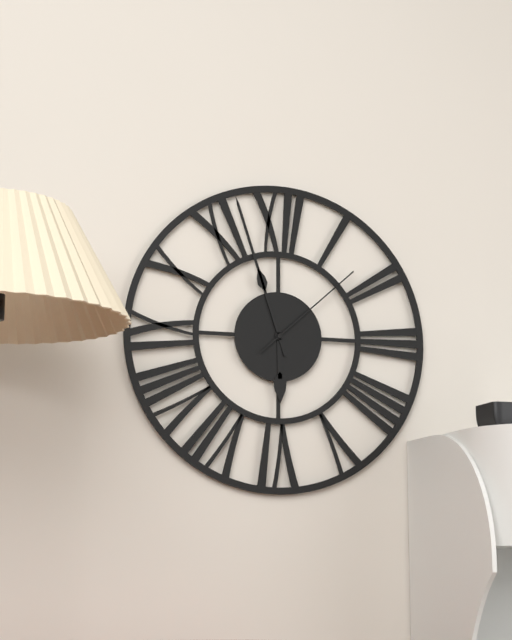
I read {"hour": 5, "minute": 57, "second": 8}
